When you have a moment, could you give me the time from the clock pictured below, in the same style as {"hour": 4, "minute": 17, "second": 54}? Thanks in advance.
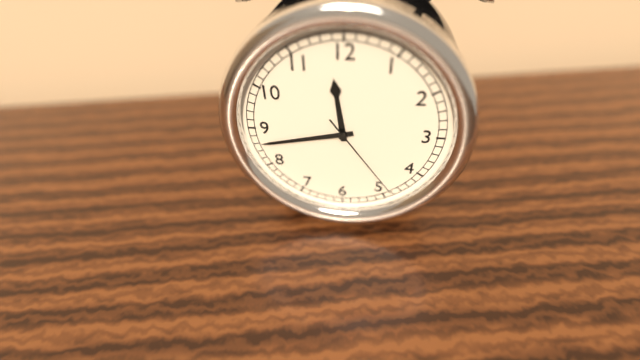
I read {"hour": 11, "minute": 43, "second": 24}
